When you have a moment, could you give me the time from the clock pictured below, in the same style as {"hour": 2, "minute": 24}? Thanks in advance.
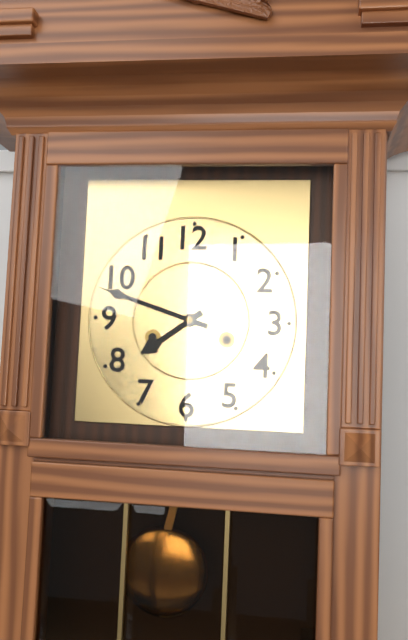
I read {"hour": 7, "minute": 48}
